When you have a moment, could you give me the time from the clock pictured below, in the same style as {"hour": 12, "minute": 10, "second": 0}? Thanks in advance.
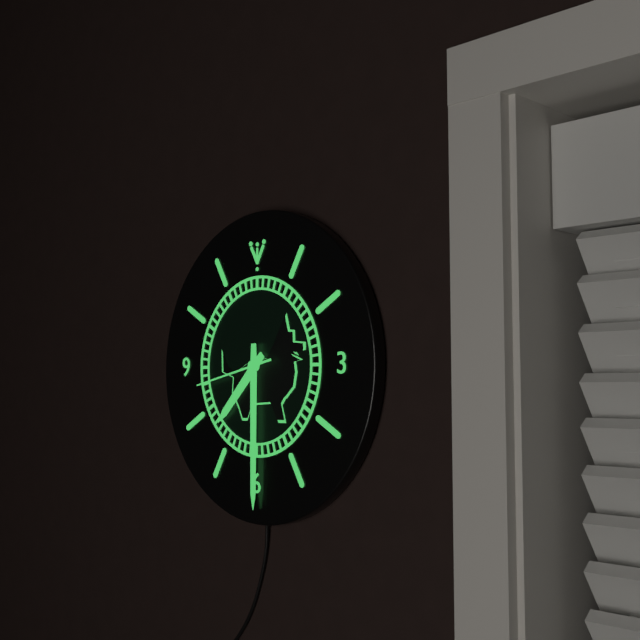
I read {"hour": 7, "minute": 30, "second": 43}
